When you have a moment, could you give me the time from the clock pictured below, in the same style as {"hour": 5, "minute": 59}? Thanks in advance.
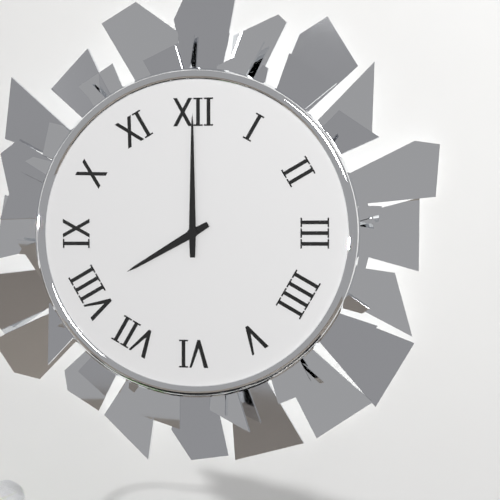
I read {"hour": 8, "minute": 0}
